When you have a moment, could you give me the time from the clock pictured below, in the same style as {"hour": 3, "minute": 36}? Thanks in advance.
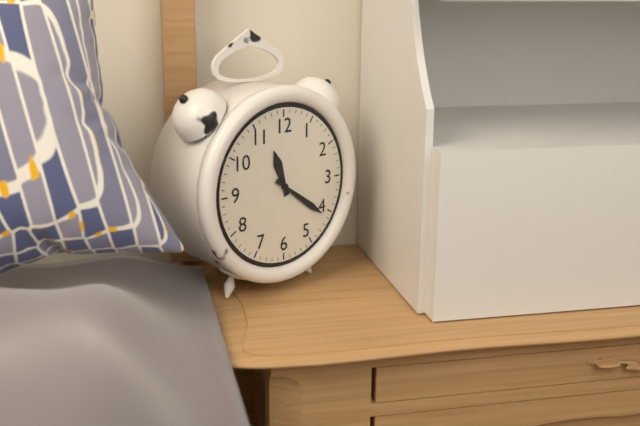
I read {"hour": 11, "minute": 21}
